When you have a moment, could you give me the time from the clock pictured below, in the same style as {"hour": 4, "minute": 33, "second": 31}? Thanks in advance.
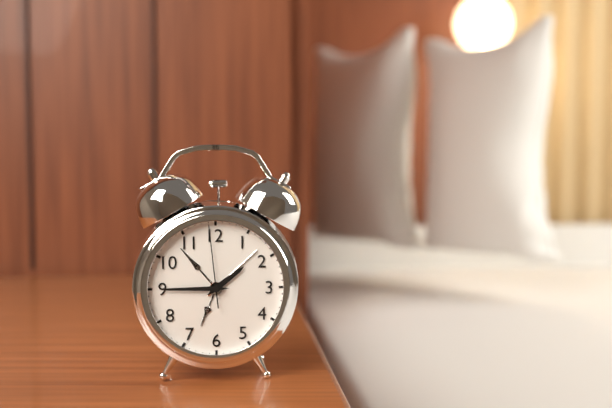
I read {"hour": 1, "minute": 45, "second": 59}
